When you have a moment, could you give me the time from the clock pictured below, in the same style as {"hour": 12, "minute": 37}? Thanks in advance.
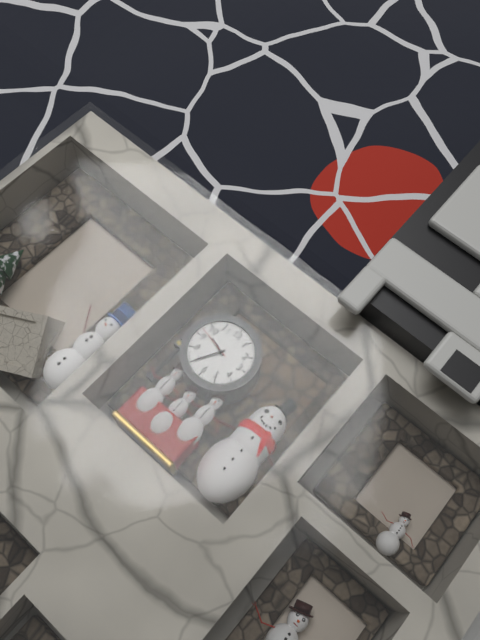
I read {"hour": 9, "minute": 35}
